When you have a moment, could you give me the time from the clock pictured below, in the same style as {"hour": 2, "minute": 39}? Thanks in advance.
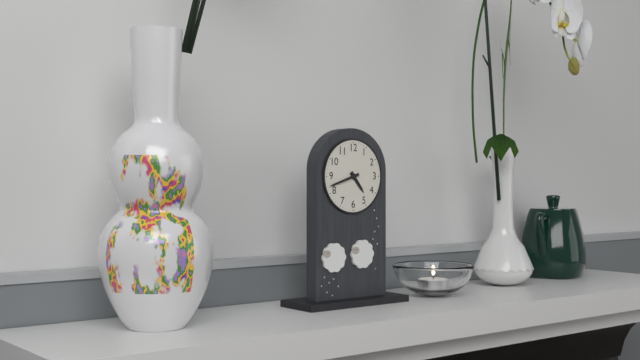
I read {"hour": 4, "minute": 42}
